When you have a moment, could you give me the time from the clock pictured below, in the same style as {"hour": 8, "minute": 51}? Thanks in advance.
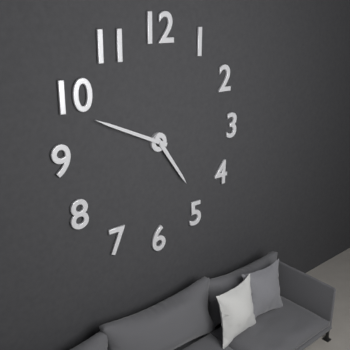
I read {"hour": 4, "minute": 49}
